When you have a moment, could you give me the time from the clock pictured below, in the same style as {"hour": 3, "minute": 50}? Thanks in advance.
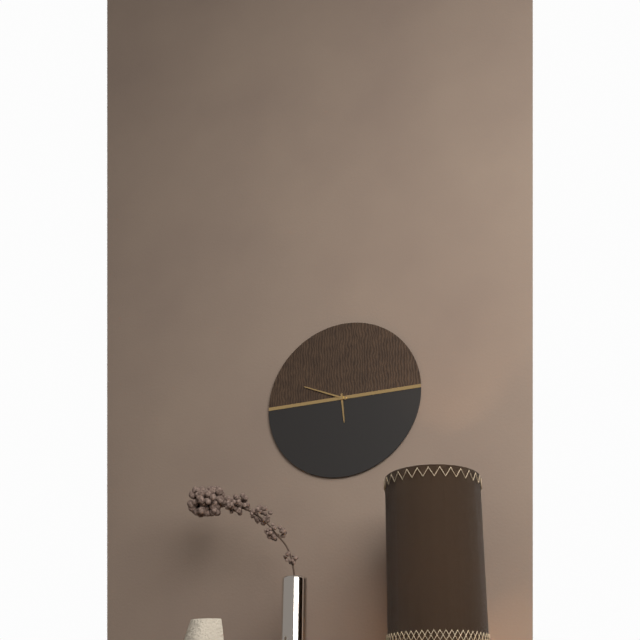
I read {"hour": 5, "minute": 49}
